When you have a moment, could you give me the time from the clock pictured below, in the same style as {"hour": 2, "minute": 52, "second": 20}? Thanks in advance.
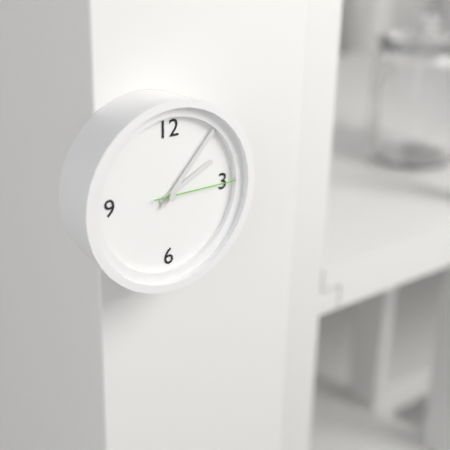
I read {"hour": 2, "minute": 7, "second": 15}
